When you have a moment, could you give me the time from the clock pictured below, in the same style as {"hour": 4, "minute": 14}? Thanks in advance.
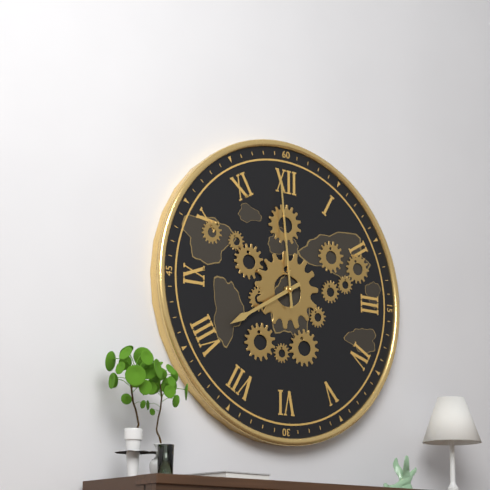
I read {"hour": 7, "minute": 59}
